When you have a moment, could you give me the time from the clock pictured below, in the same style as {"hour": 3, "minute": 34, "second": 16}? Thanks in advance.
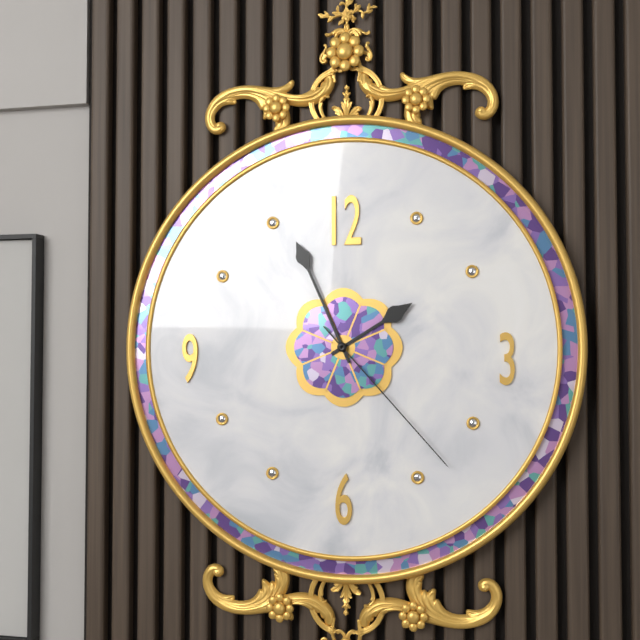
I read {"hour": 1, "minute": 56, "second": 23}
